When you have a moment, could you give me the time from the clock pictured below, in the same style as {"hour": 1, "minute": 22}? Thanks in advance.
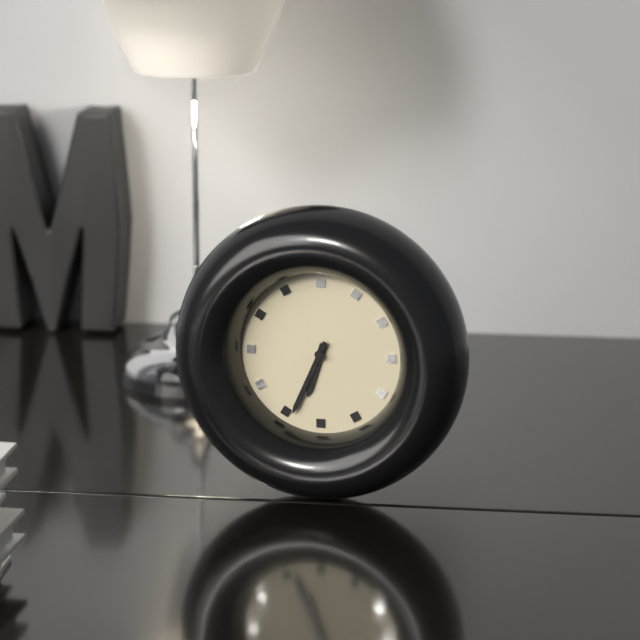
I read {"hour": 6, "minute": 34}
